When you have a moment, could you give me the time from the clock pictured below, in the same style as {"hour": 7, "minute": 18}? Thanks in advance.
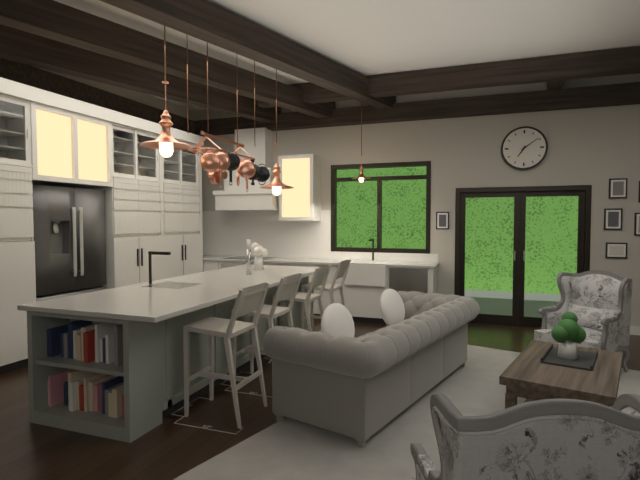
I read {"hour": 7, "minute": 9}
